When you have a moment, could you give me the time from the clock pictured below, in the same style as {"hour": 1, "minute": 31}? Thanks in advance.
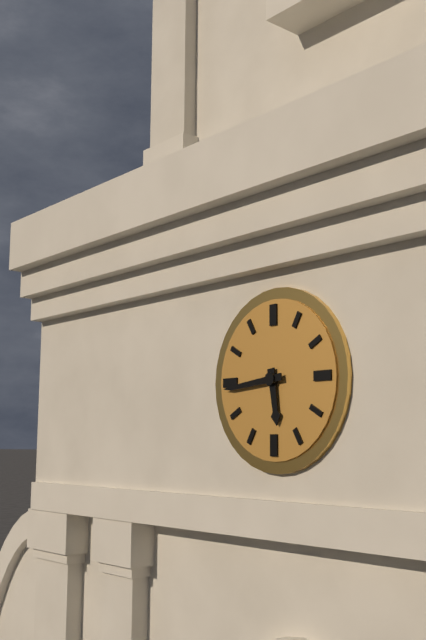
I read {"hour": 5, "minute": 44}
